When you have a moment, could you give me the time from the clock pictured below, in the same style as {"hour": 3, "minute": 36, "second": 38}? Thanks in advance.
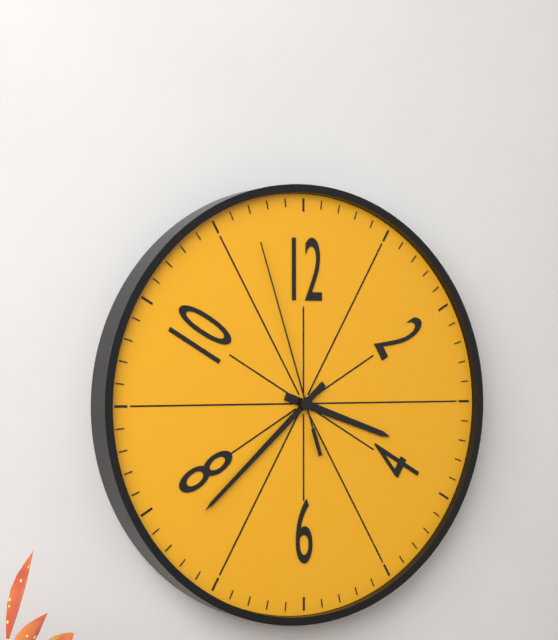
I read {"hour": 3, "minute": 38, "second": 57}
